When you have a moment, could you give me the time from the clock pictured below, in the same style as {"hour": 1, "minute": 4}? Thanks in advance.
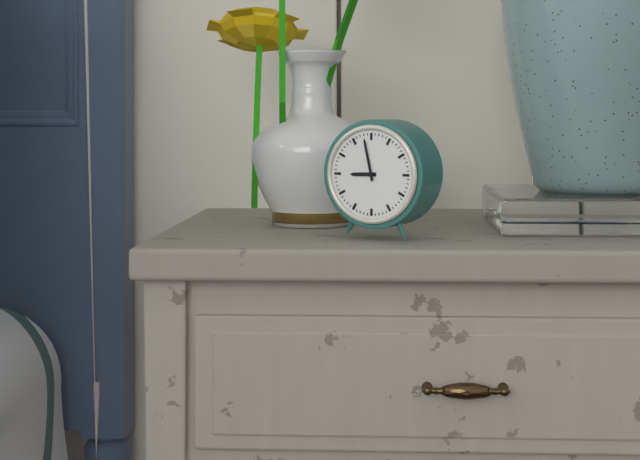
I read {"hour": 8, "minute": 58}
